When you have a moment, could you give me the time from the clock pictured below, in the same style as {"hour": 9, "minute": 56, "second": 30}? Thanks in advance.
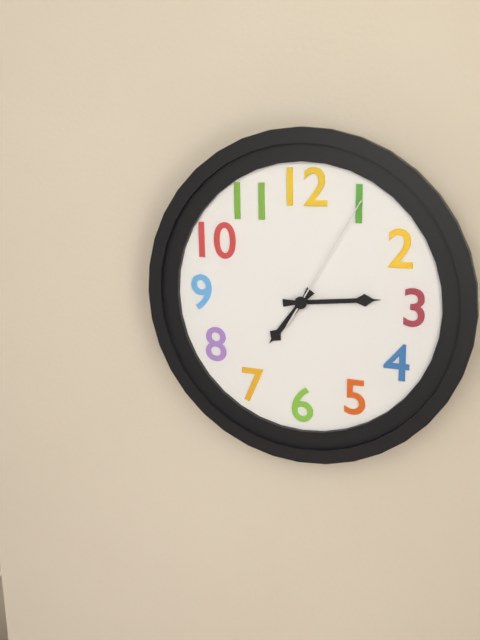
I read {"hour": 7, "minute": 14, "second": 5}
